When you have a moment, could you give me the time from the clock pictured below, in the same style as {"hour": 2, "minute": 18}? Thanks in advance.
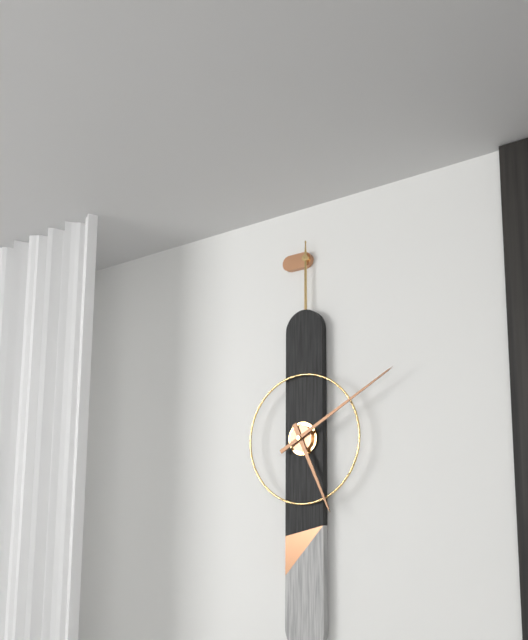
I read {"hour": 5, "minute": 10}
